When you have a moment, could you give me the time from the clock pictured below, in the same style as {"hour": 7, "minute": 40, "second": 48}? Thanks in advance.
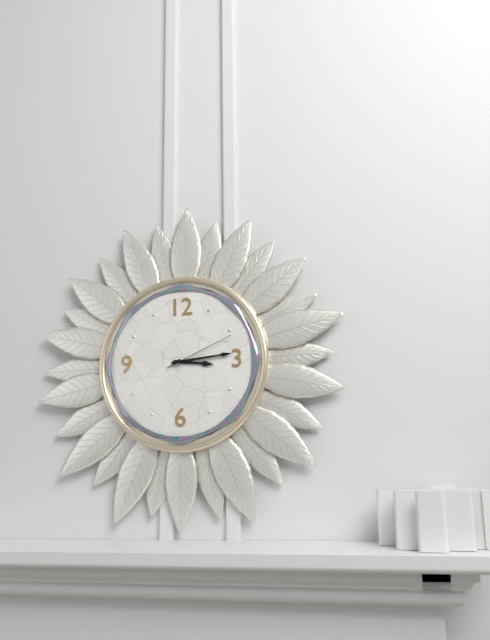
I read {"hour": 3, "minute": 14, "second": 11}
